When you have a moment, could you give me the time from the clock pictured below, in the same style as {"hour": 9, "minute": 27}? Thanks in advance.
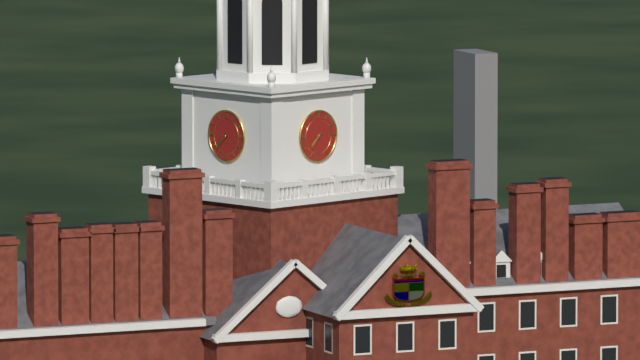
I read {"hour": 7, "minute": 37}
